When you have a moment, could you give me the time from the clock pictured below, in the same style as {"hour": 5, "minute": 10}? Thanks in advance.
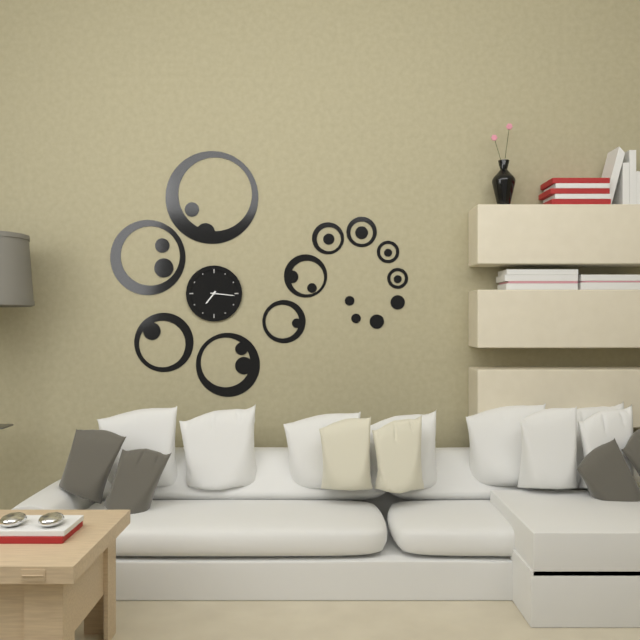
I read {"hour": 7, "minute": 16}
